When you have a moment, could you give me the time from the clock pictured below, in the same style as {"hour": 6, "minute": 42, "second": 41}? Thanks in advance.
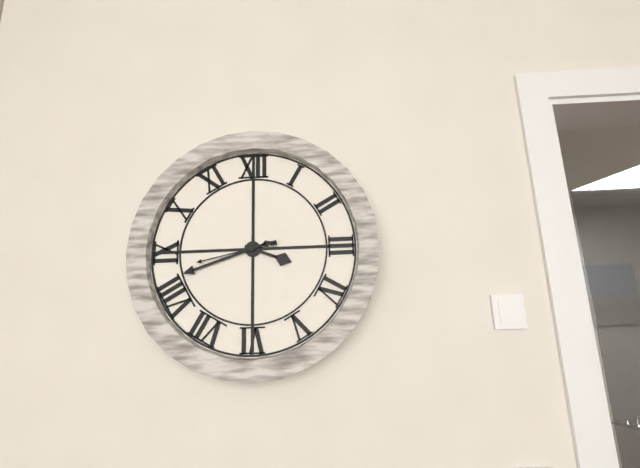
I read {"hour": 3, "minute": 42, "second": 43}
